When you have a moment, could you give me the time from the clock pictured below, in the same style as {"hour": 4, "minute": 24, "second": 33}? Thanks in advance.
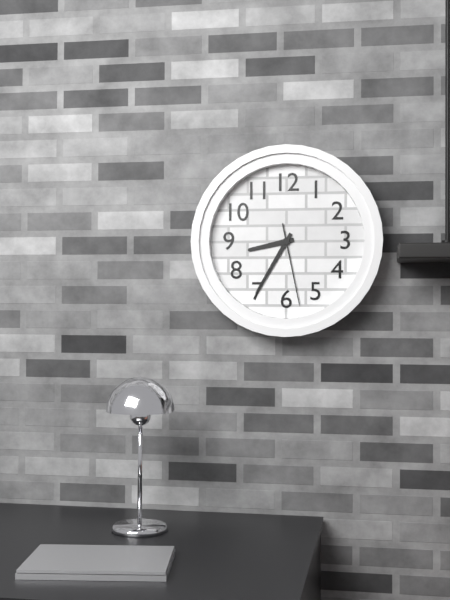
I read {"hour": 8, "minute": 35, "second": 28}
